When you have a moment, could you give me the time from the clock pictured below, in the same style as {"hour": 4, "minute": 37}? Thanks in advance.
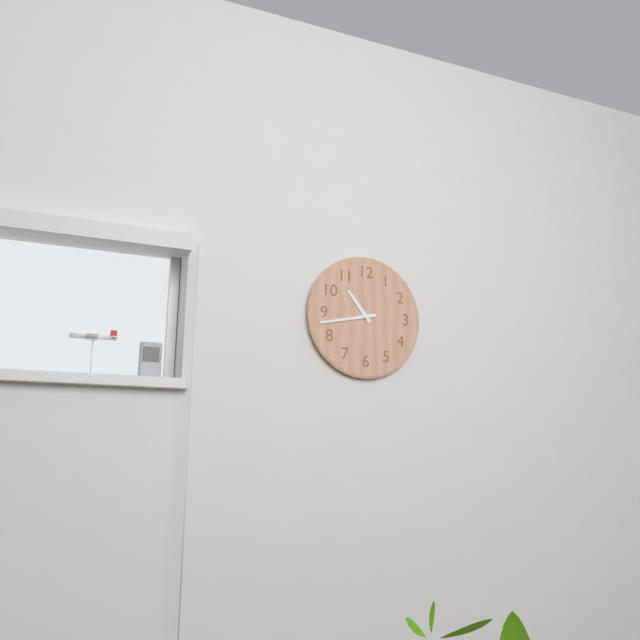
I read {"hour": 10, "minute": 43}
